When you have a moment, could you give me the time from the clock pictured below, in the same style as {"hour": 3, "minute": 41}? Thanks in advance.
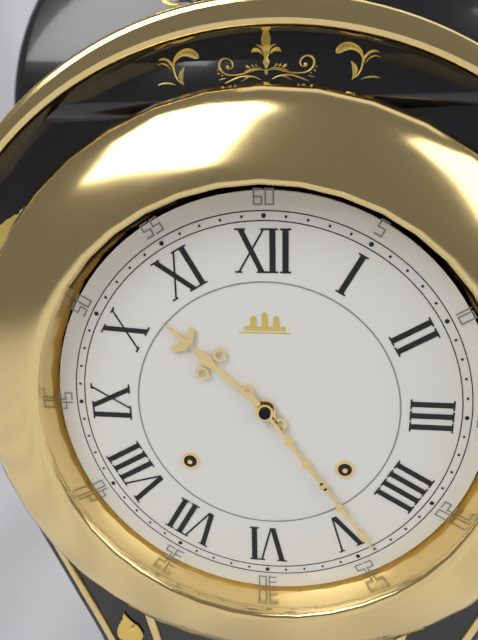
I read {"hour": 10, "minute": 24}
